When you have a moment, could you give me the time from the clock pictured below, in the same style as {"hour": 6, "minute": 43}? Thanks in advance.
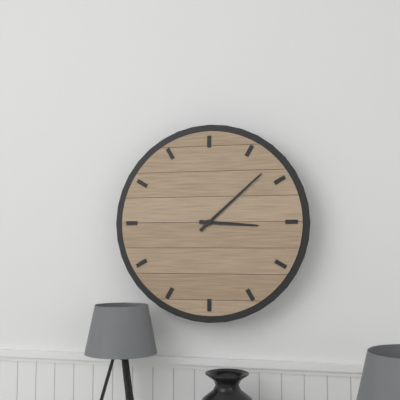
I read {"hour": 3, "minute": 8}
